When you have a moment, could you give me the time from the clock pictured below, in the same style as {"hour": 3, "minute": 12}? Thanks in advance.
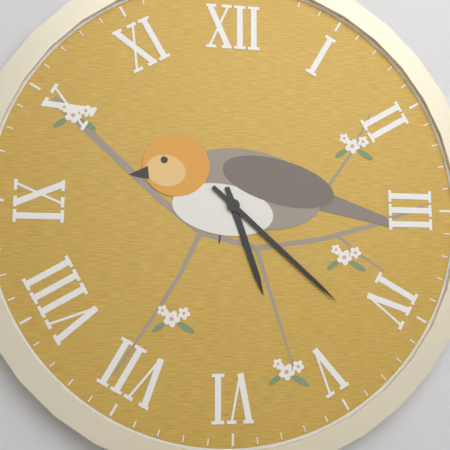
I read {"hour": 5, "minute": 22}
